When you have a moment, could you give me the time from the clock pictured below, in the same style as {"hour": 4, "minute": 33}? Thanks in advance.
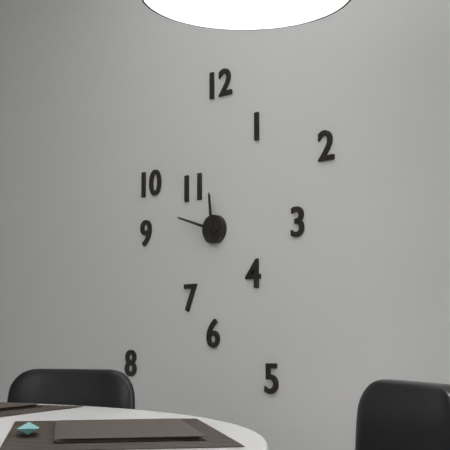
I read {"hour": 11, "minute": 48}
